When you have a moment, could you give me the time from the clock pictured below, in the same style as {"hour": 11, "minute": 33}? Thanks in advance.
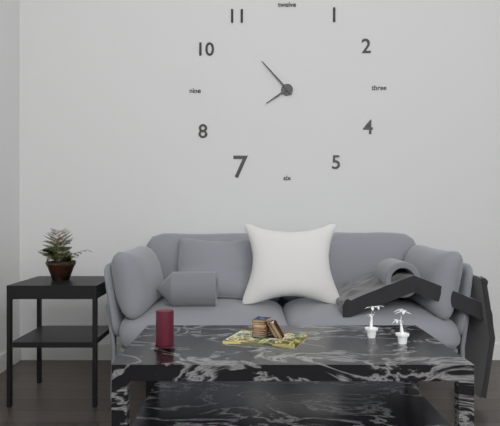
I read {"hour": 7, "minute": 53}
